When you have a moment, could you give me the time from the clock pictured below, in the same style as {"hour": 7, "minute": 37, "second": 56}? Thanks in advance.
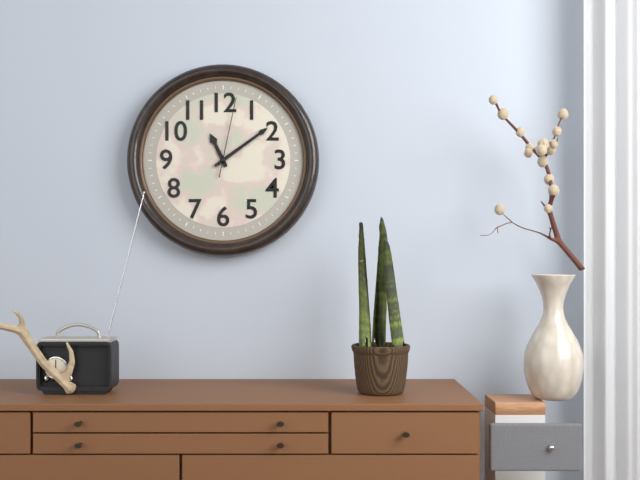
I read {"hour": 11, "minute": 9, "second": 2}
